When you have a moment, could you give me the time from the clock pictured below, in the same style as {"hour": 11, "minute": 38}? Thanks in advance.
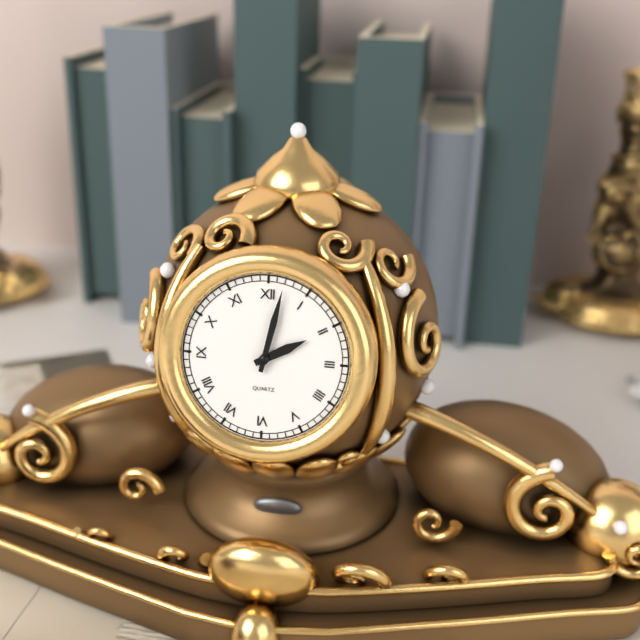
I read {"hour": 2, "minute": 2}
